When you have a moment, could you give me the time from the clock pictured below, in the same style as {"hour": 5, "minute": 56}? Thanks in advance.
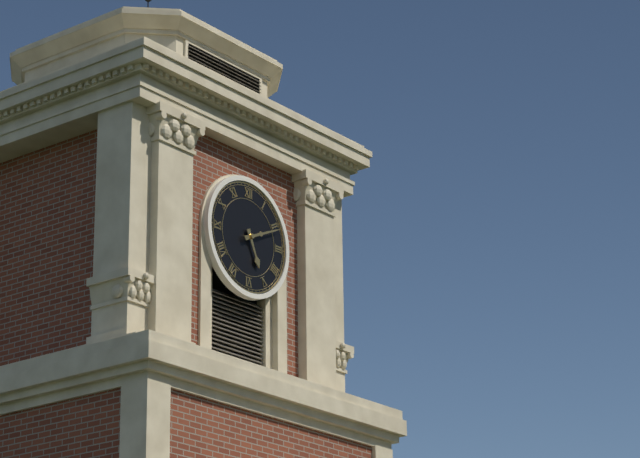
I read {"hour": 5, "minute": 11}
